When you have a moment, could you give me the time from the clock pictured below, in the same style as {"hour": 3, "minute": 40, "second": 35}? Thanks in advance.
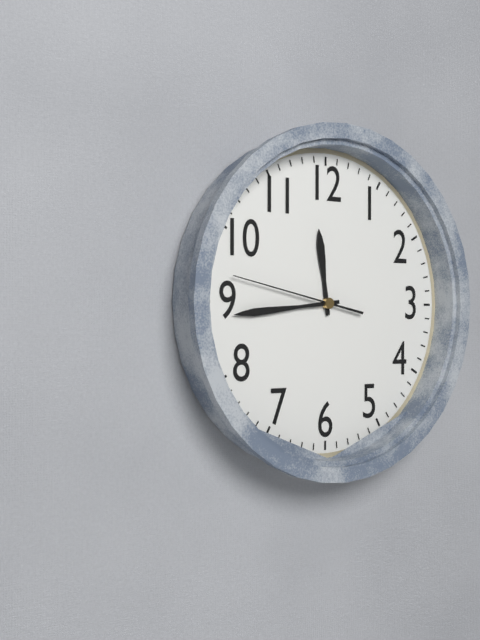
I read {"hour": 11, "minute": 44, "second": 47}
